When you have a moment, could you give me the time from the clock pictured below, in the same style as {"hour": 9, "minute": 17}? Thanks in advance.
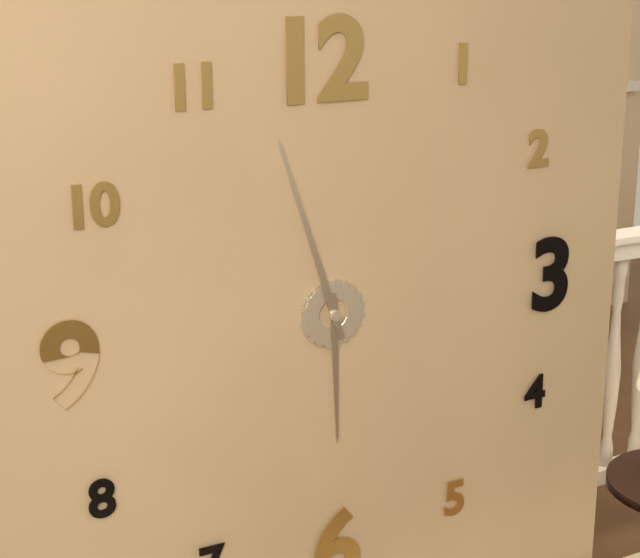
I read {"hour": 5, "minute": 57}
